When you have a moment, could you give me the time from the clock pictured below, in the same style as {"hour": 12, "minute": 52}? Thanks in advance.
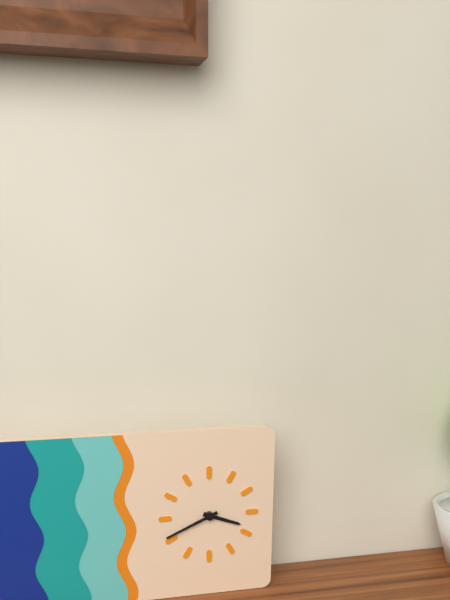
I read {"hour": 3, "minute": 41}
